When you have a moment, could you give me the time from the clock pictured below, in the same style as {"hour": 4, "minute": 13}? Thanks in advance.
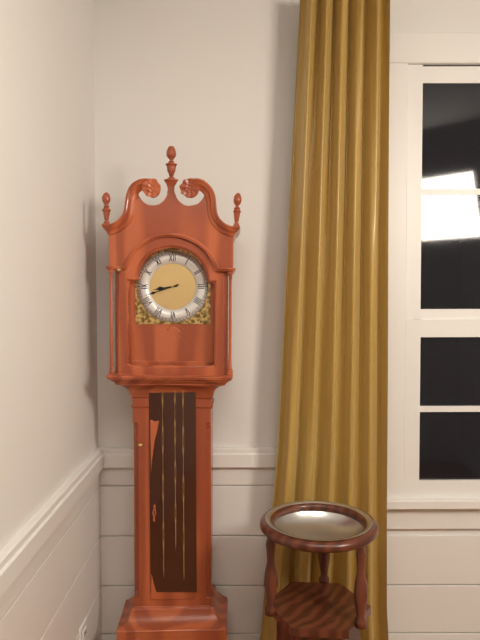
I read {"hour": 8, "minute": 42}
